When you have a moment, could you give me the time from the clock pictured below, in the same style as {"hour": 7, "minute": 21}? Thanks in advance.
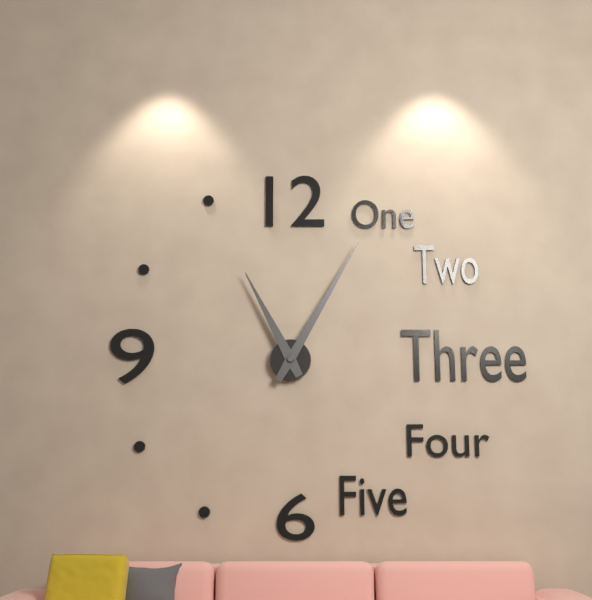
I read {"hour": 11, "minute": 5}
